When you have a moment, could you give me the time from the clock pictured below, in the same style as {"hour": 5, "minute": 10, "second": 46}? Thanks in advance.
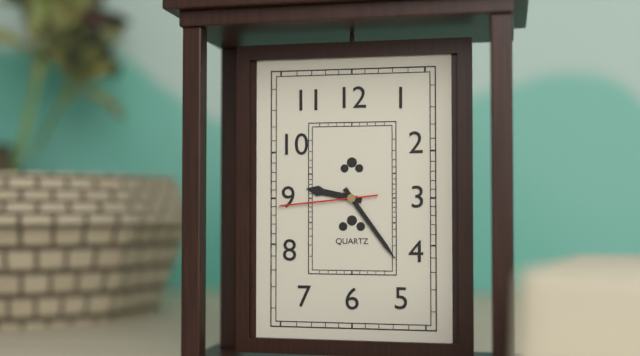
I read {"hour": 9, "minute": 24, "second": 44}
